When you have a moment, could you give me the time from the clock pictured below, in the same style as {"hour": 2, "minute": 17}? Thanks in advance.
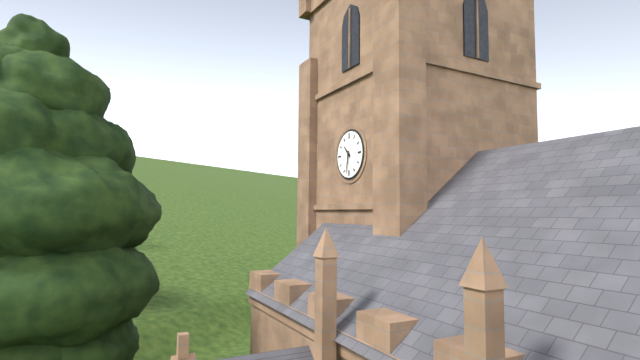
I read {"hour": 10, "minute": 32}
